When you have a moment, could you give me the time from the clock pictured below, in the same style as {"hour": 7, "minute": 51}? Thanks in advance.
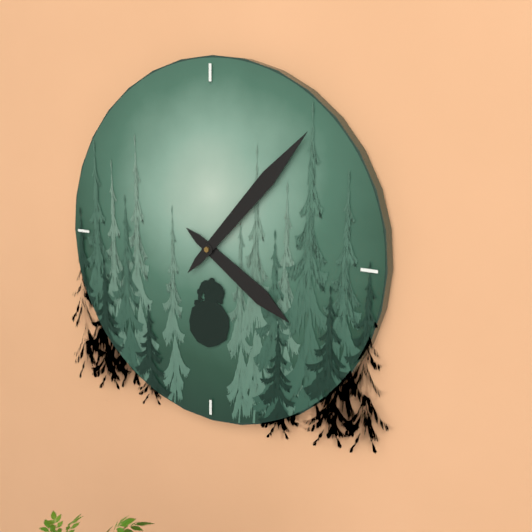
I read {"hour": 4, "minute": 7}
